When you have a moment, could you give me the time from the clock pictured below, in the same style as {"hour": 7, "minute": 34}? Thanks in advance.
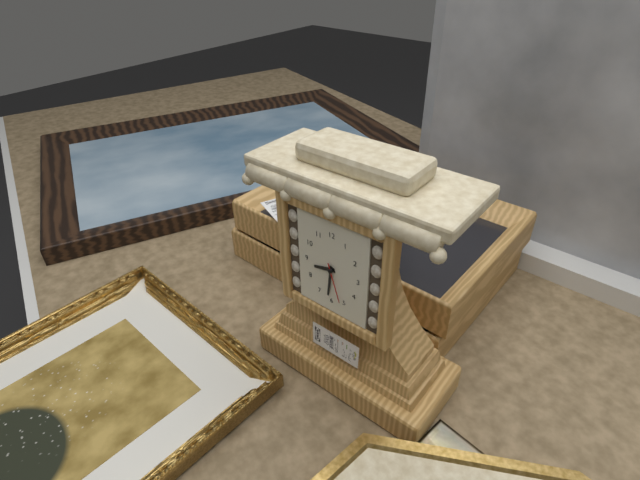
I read {"hour": 8, "minute": 31}
